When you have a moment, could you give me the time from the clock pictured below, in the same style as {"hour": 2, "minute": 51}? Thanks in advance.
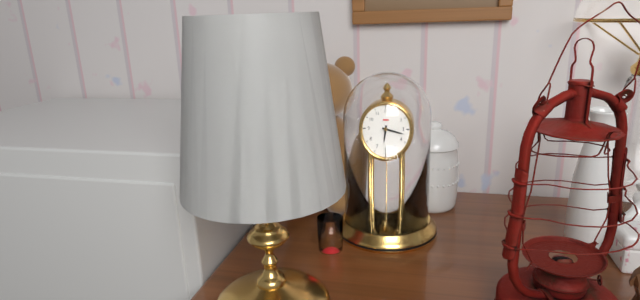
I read {"hour": 6, "minute": 17}
